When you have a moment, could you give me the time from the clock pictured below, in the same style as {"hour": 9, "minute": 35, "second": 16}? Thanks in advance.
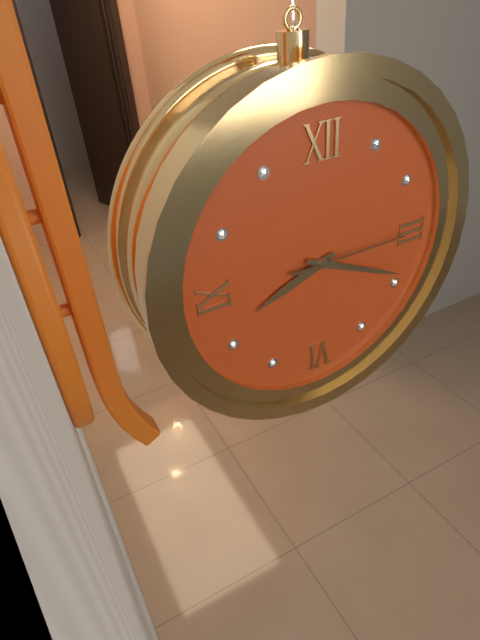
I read {"hour": 8, "minute": 19, "second": 15}
